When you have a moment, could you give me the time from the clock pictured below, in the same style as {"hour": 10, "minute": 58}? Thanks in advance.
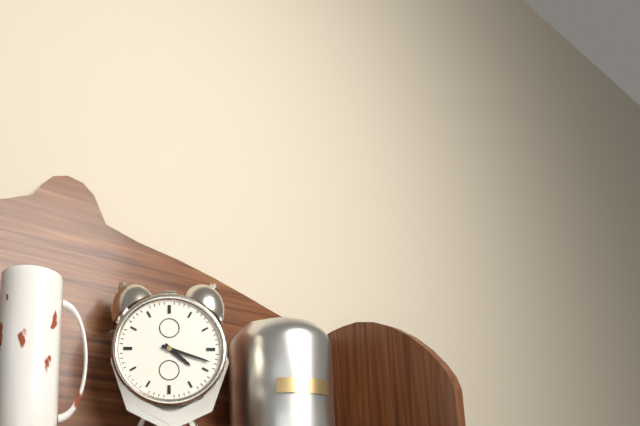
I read {"hour": 4, "minute": 18}
